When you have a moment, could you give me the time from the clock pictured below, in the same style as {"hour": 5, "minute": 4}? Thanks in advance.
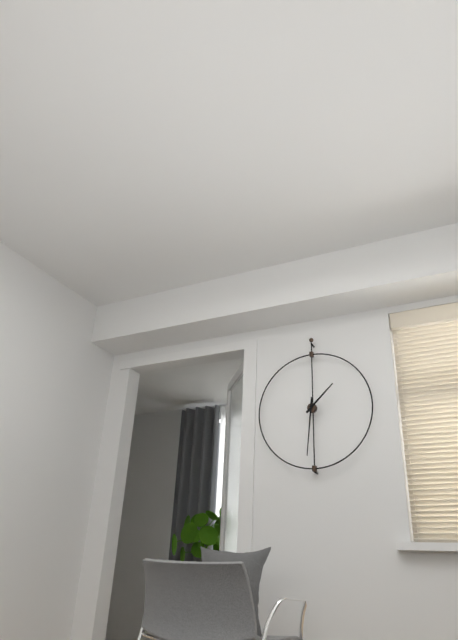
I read {"hour": 1, "minute": 31}
